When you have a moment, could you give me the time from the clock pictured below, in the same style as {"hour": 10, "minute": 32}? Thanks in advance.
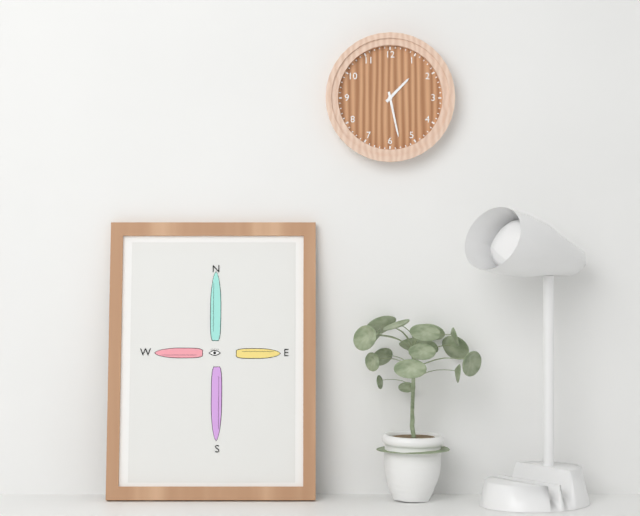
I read {"hour": 1, "minute": 28}
